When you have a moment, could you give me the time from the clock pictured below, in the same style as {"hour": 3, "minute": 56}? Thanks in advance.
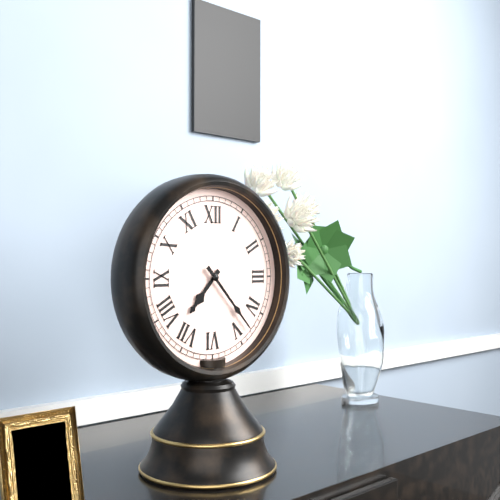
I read {"hour": 7, "minute": 23}
